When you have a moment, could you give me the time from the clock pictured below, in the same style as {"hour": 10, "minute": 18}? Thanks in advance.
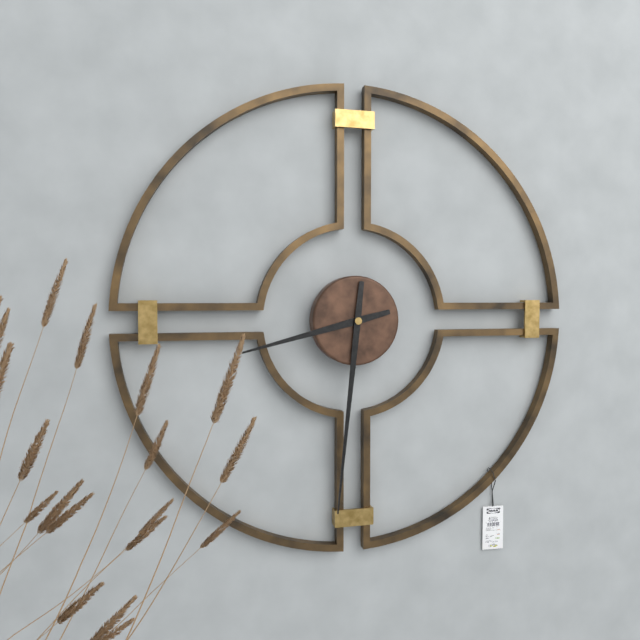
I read {"hour": 8, "minute": 31}
